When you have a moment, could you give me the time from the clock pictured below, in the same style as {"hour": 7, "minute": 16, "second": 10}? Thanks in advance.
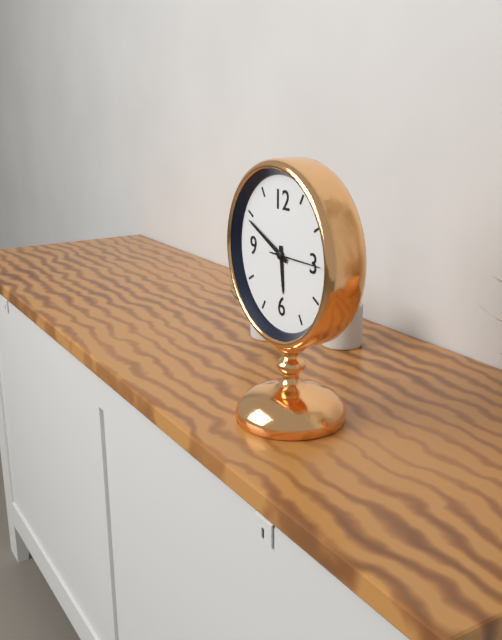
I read {"hour": 5, "minute": 49, "second": 15}
